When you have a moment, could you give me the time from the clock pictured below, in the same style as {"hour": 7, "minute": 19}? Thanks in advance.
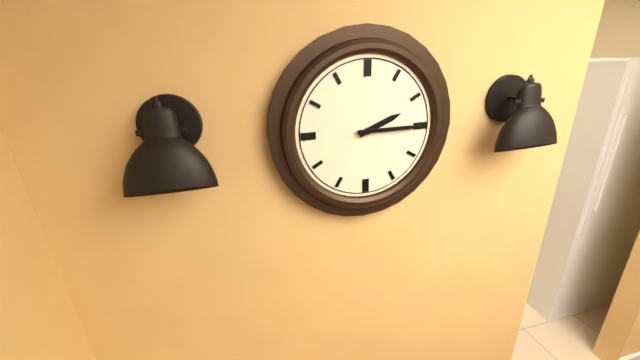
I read {"hour": 2, "minute": 15}
